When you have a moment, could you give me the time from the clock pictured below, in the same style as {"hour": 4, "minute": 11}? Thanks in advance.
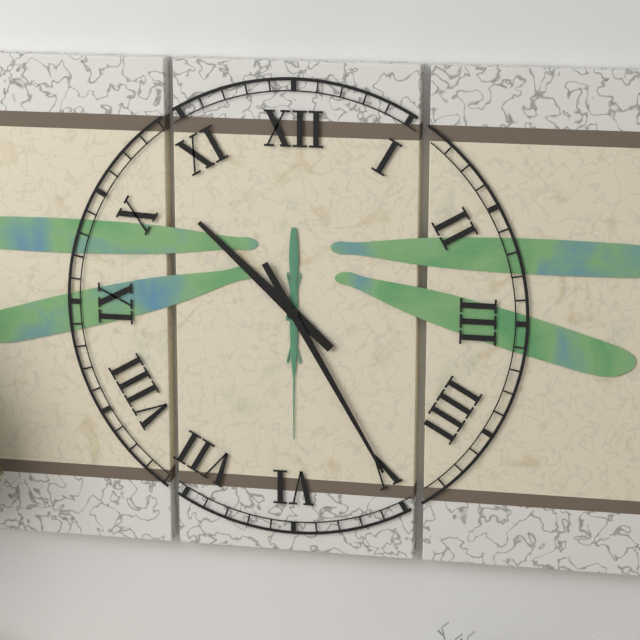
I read {"hour": 10, "minute": 25}
